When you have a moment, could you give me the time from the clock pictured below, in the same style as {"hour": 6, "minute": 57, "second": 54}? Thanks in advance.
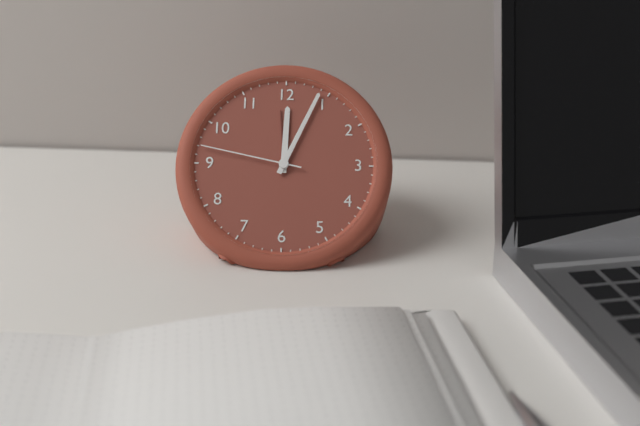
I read {"hour": 12, "minute": 4, "second": 47}
